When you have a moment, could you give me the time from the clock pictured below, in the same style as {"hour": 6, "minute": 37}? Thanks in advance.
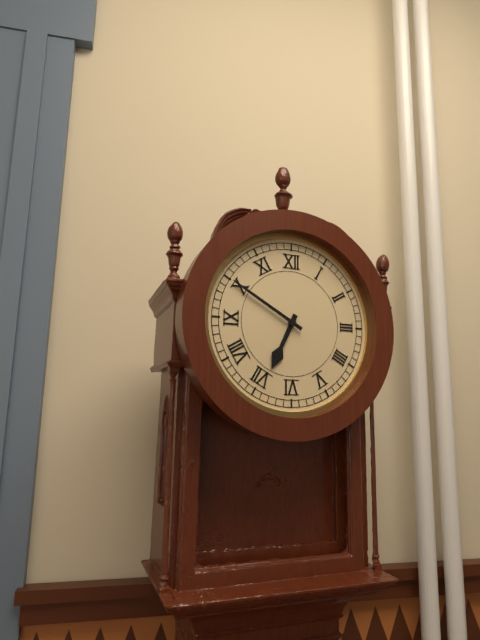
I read {"hour": 6, "minute": 50}
